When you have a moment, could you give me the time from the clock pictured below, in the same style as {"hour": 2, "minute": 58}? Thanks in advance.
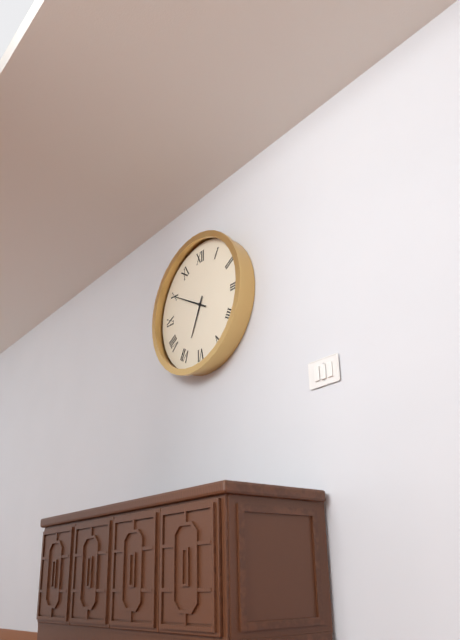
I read {"hour": 6, "minute": 50}
